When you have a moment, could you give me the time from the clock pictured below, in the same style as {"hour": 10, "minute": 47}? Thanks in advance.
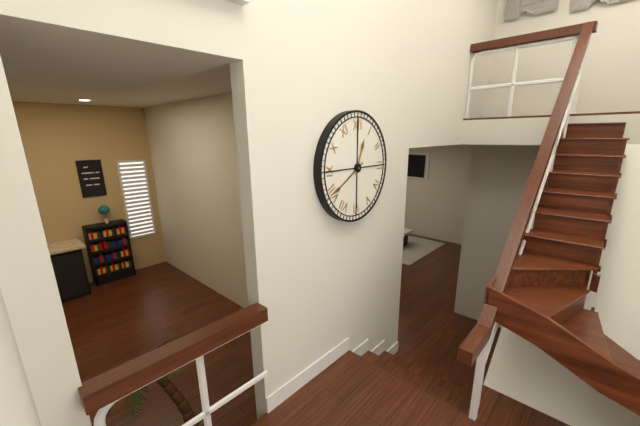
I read {"hour": 12, "minute": 40}
